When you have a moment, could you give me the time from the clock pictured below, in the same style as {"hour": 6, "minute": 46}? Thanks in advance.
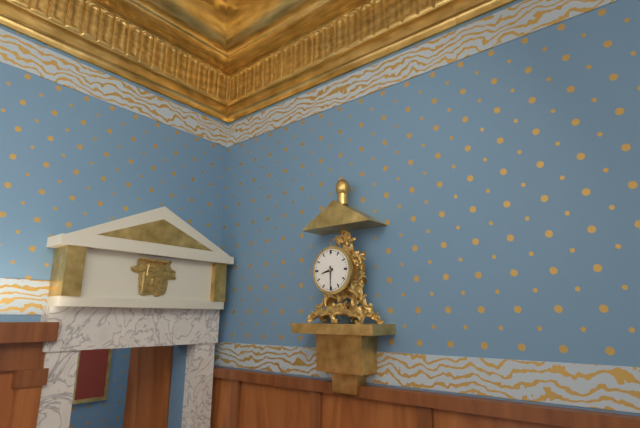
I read {"hour": 8, "minute": 30}
